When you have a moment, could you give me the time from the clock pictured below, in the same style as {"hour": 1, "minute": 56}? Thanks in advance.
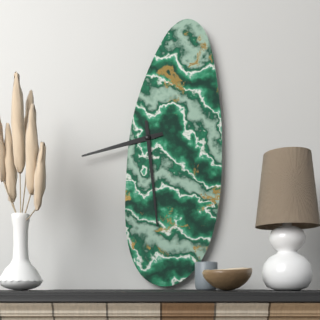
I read {"hour": 8, "minute": 29}
